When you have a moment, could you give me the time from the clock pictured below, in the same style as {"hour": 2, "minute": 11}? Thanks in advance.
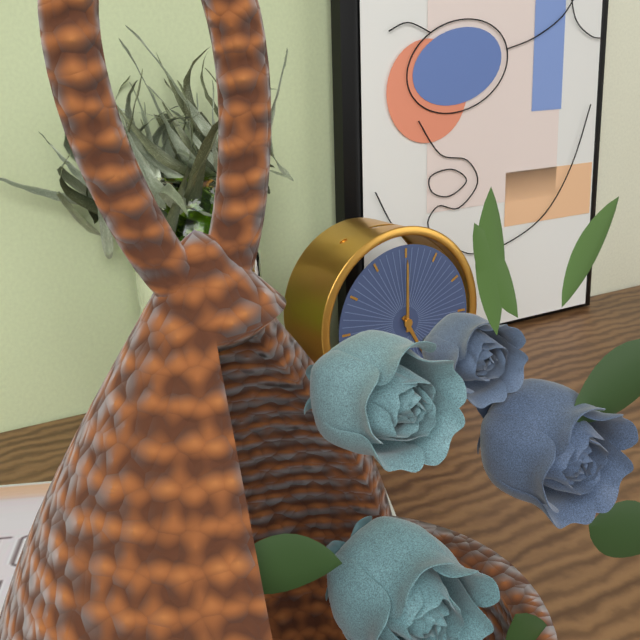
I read {"hour": 5, "minute": 0}
